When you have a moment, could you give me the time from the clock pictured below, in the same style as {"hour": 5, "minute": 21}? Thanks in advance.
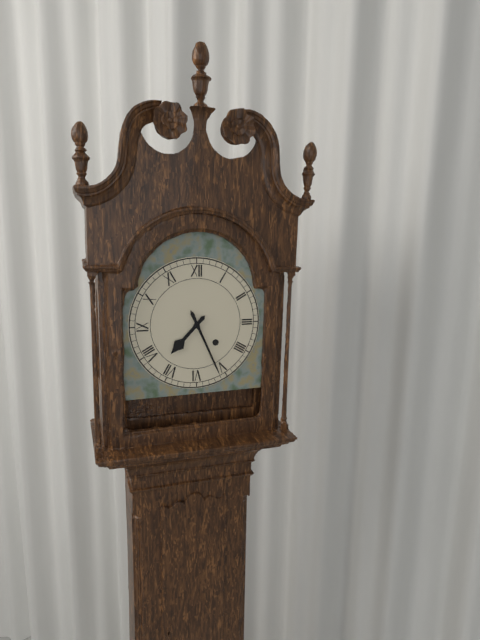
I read {"hour": 7, "minute": 26}
